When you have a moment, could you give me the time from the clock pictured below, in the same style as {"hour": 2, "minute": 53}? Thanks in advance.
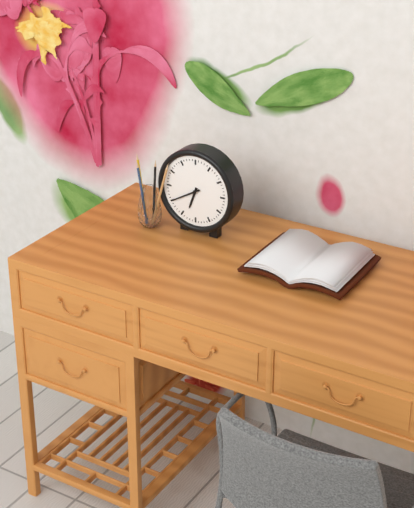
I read {"hour": 6, "minute": 40}
